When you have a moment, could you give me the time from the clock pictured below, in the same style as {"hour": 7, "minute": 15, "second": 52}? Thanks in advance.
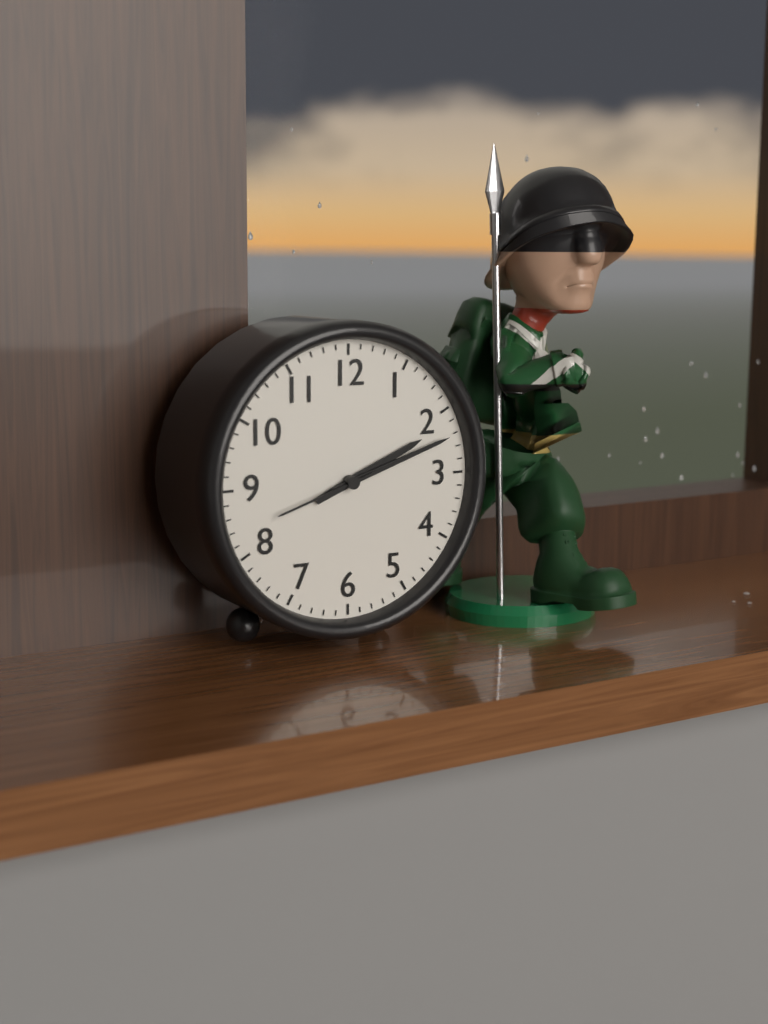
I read {"hour": 2, "minute": 12, "second": 42}
